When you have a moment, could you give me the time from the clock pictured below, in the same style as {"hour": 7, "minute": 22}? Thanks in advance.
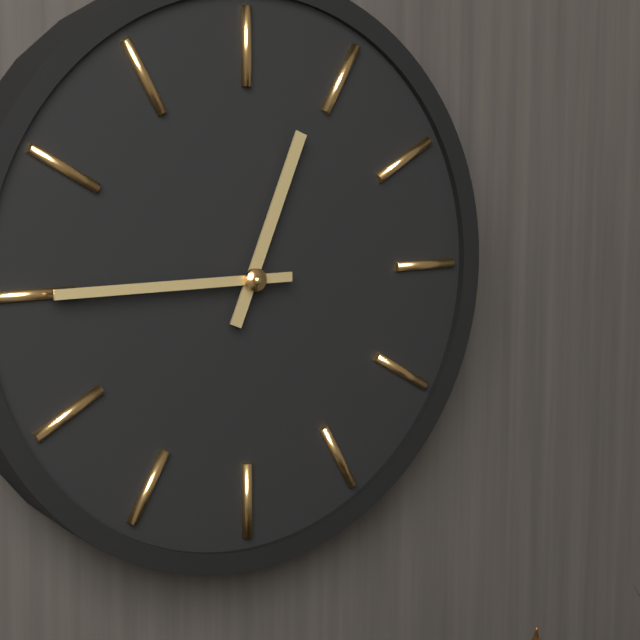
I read {"hour": 12, "minute": 45}
